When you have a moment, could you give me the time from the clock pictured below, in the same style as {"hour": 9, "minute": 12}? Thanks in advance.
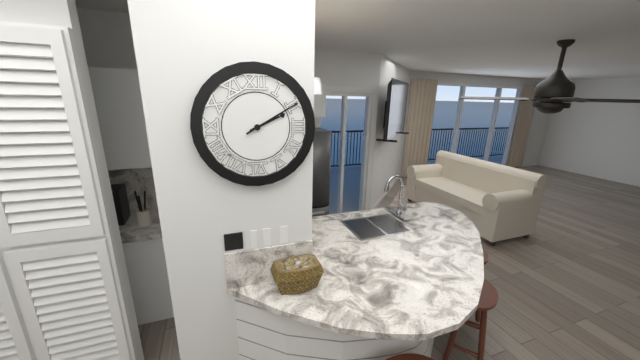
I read {"hour": 2, "minute": 10}
